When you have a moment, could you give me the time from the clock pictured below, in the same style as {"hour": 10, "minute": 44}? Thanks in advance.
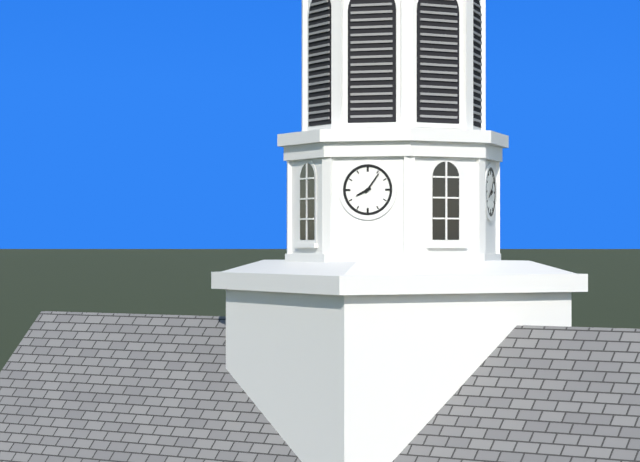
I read {"hour": 8, "minute": 6}
